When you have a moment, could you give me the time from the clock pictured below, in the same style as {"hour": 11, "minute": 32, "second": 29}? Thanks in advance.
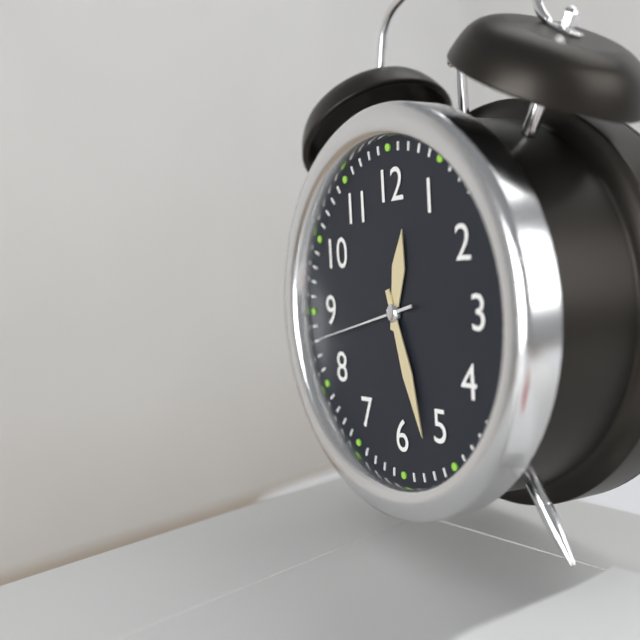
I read {"hour": 12, "minute": 27, "second": 43}
